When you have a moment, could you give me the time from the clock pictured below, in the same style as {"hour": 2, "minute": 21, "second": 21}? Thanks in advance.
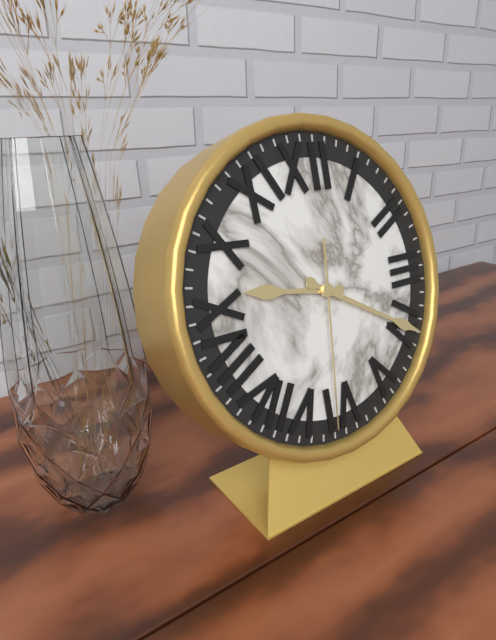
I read {"hour": 9, "minute": 20, "second": 31}
